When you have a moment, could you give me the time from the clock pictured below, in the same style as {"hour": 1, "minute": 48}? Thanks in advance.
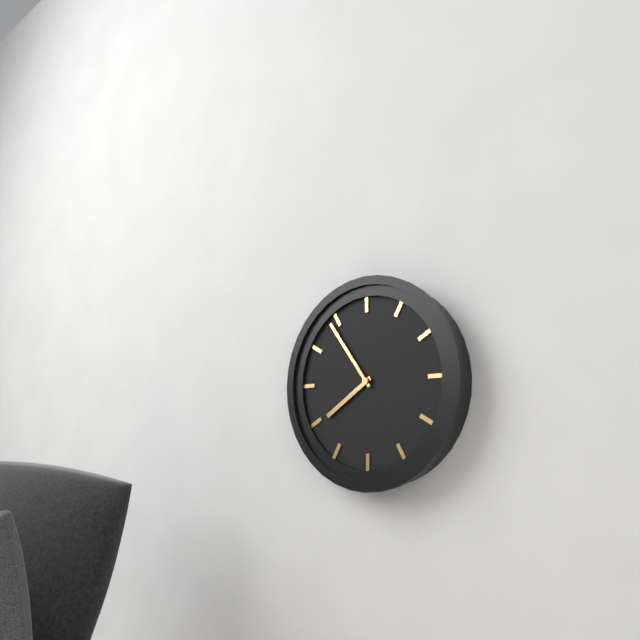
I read {"hour": 7, "minute": 54}
